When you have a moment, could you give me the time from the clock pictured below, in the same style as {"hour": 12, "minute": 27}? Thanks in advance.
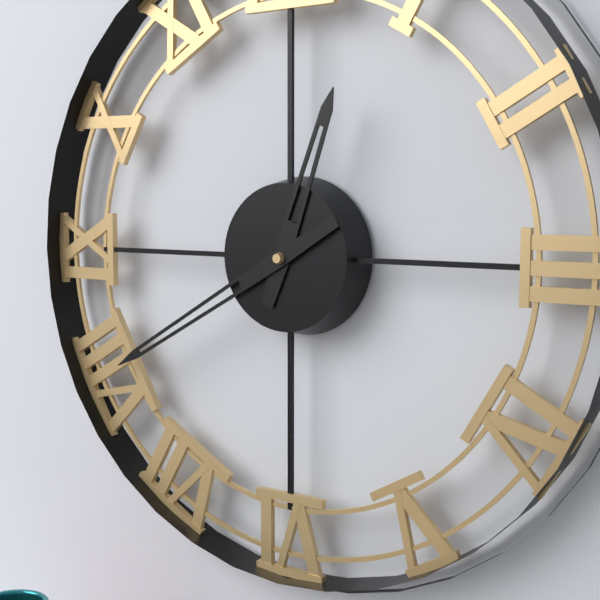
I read {"hour": 12, "minute": 40}
